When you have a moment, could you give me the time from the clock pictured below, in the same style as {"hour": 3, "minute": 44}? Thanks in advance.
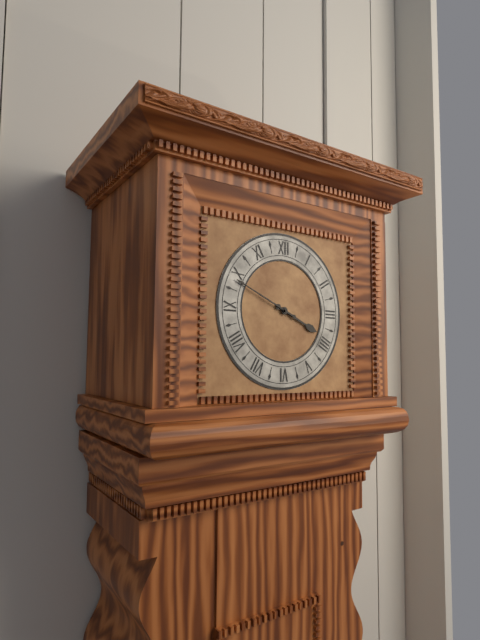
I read {"hour": 3, "minute": 49}
